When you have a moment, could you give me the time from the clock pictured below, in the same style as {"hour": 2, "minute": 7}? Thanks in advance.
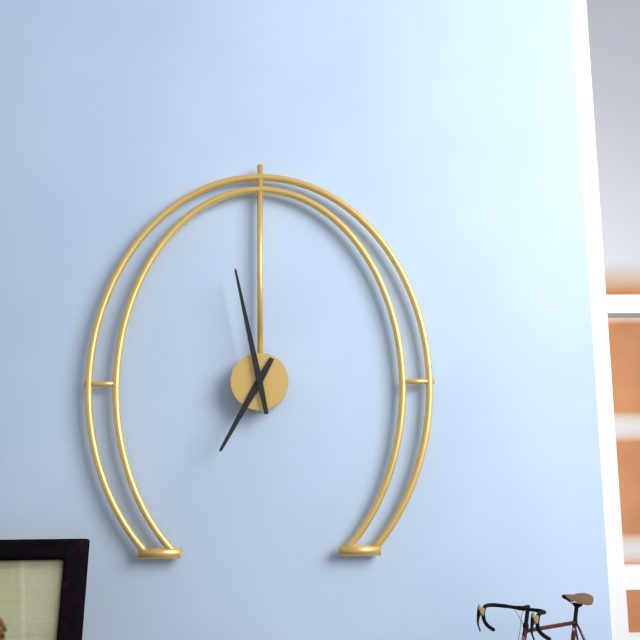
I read {"hour": 6, "minute": 58}
